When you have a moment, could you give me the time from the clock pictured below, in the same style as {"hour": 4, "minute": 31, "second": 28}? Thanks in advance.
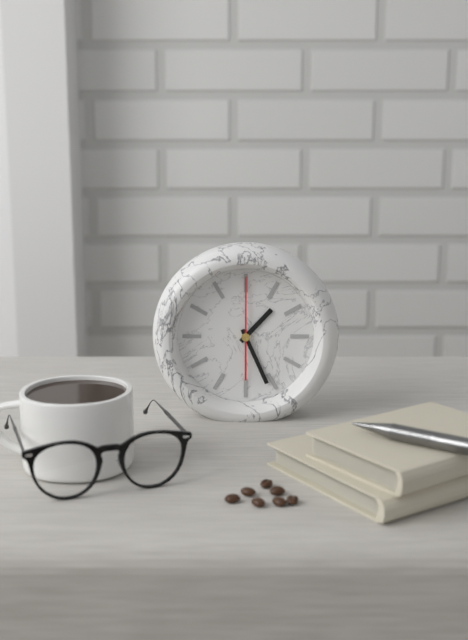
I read {"hour": 1, "minute": 26, "second": 0}
